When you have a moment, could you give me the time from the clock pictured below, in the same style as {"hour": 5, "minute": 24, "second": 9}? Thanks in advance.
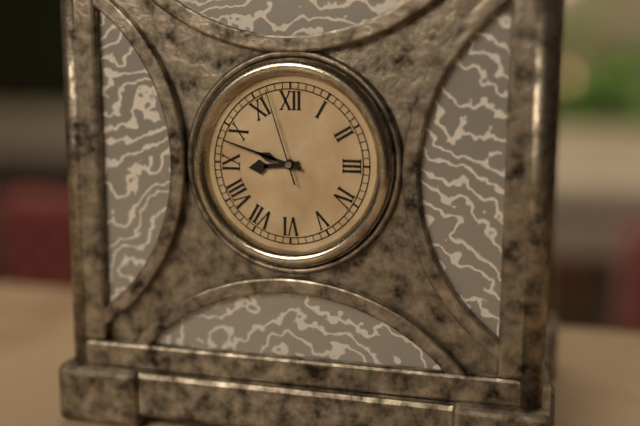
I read {"hour": 8, "minute": 48, "second": 57}
